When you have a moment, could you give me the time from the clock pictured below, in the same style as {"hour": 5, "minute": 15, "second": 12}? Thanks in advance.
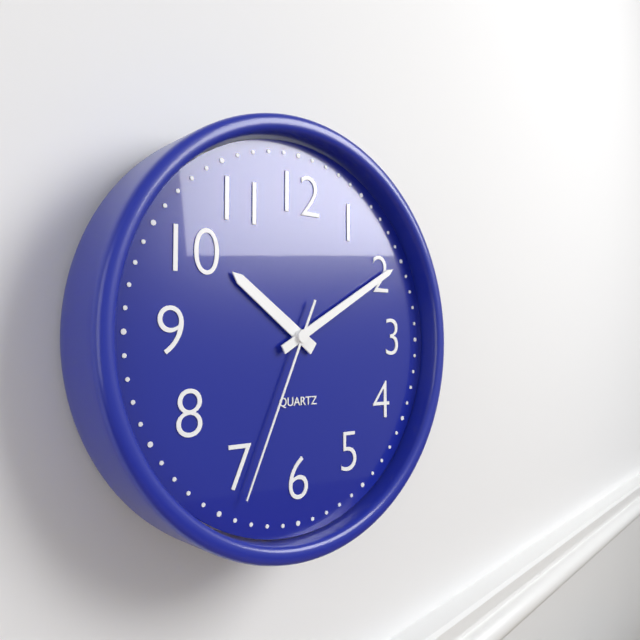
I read {"hour": 10, "minute": 10, "second": 34}
